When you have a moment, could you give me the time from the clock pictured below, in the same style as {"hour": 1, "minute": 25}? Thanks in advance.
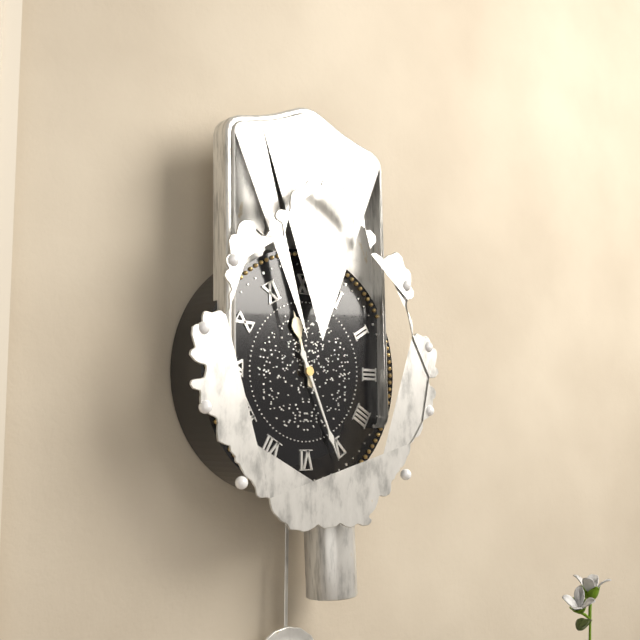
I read {"hour": 11, "minute": 26}
